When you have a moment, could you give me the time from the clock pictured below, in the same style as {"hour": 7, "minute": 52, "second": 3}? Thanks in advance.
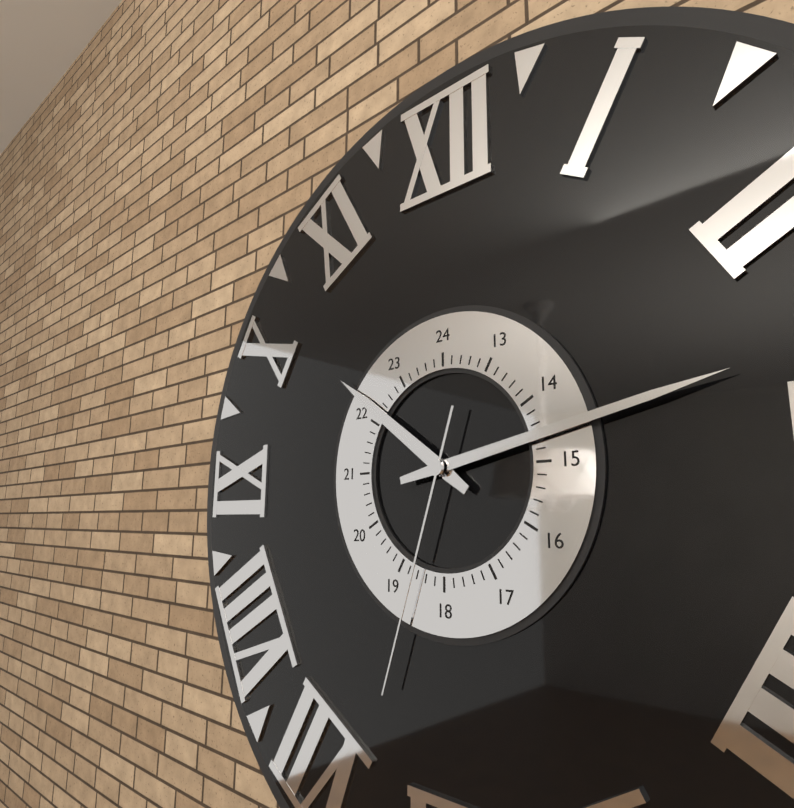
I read {"hour": 10, "minute": 13, "second": 33}
